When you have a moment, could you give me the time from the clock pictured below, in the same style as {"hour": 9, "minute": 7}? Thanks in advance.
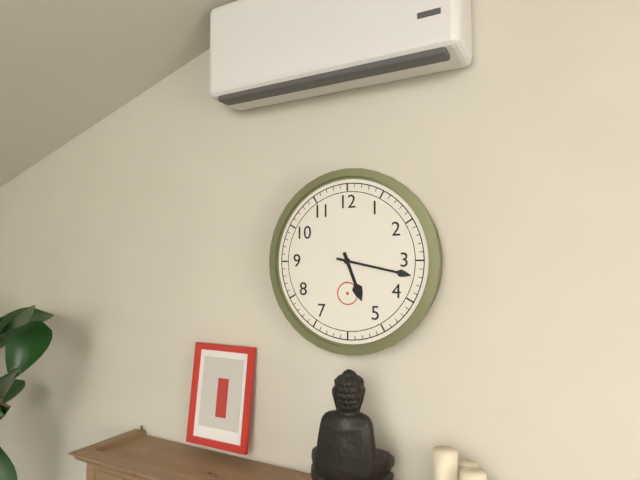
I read {"hour": 5, "minute": 17}
